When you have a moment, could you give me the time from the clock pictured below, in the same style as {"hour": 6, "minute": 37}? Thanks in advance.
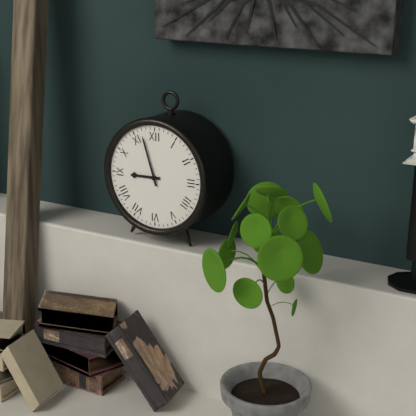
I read {"hour": 8, "minute": 57}
